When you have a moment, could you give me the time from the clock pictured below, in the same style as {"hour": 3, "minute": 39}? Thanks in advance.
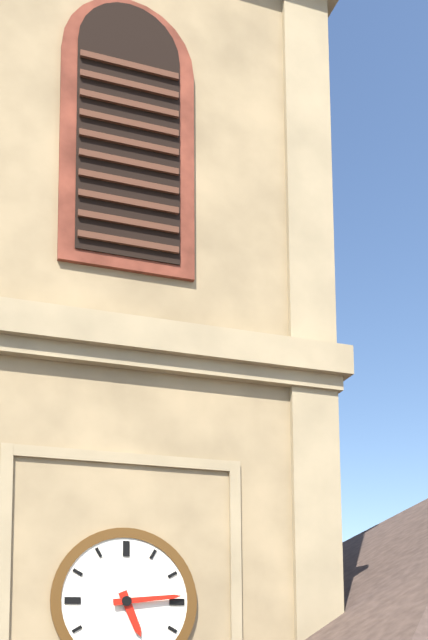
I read {"hour": 5, "minute": 14}
